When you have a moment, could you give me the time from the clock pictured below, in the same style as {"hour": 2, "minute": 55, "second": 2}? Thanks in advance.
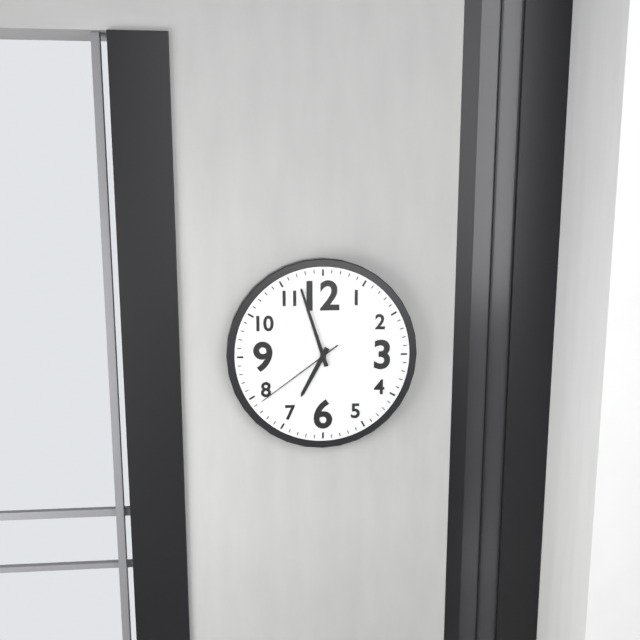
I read {"hour": 6, "minute": 57, "second": 39}
